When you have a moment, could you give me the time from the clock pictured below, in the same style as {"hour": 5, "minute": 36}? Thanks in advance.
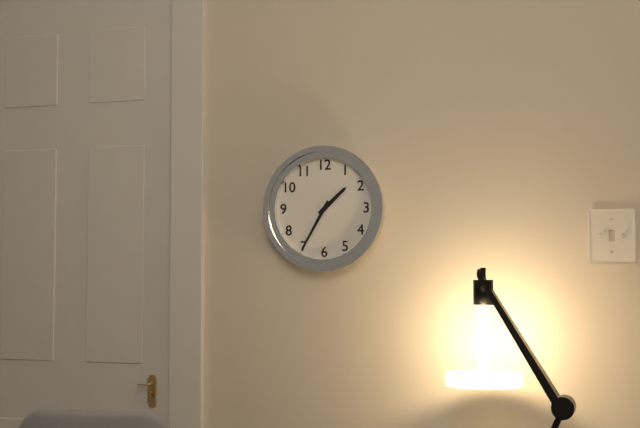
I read {"hour": 1, "minute": 35}
